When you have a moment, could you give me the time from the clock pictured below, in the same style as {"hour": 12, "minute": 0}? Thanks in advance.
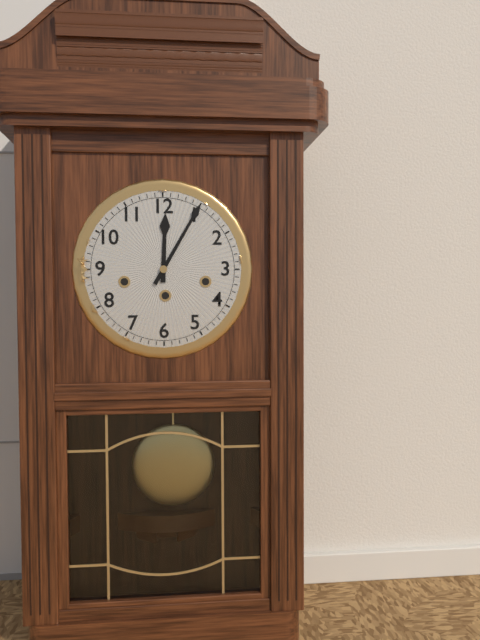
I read {"hour": 12, "minute": 5}
